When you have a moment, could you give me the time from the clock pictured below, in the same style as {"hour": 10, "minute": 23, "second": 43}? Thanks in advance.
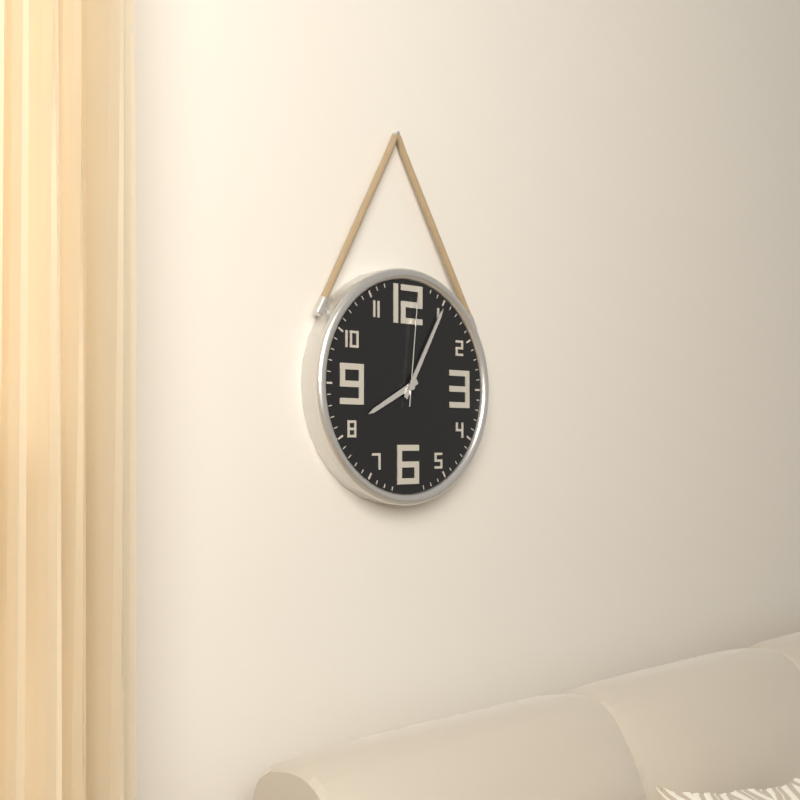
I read {"hour": 8, "minute": 5, "second": 1}
